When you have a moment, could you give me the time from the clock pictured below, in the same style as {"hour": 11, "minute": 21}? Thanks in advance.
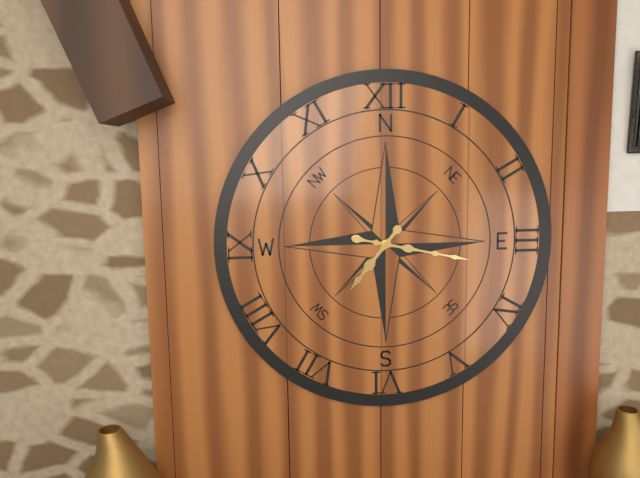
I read {"hour": 7, "minute": 17}
